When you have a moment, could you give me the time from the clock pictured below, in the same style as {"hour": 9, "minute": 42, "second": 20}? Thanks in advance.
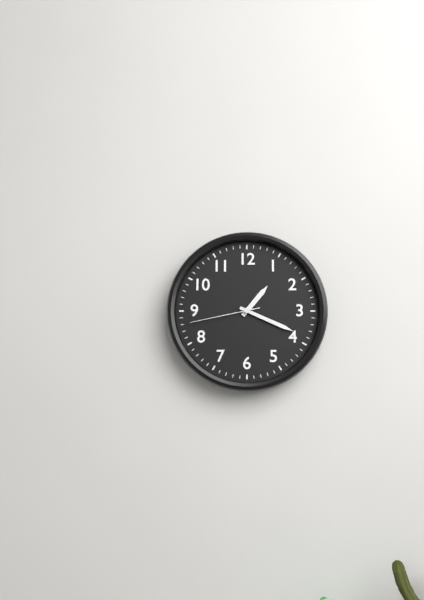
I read {"hour": 1, "minute": 19, "second": 43}
